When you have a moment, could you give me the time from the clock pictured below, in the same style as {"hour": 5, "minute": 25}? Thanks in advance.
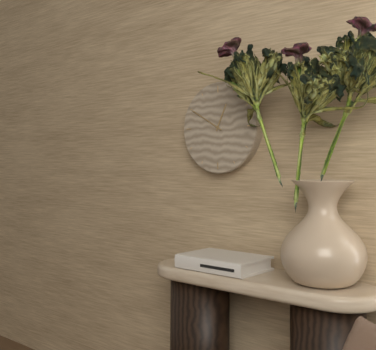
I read {"hour": 12, "minute": 50}
